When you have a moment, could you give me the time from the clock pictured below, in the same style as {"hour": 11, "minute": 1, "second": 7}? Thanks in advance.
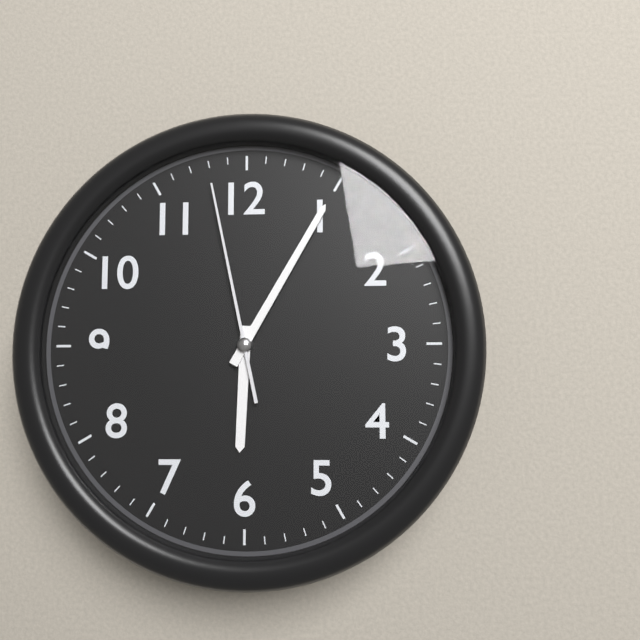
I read {"hour": 6, "minute": 5, "second": 58}
